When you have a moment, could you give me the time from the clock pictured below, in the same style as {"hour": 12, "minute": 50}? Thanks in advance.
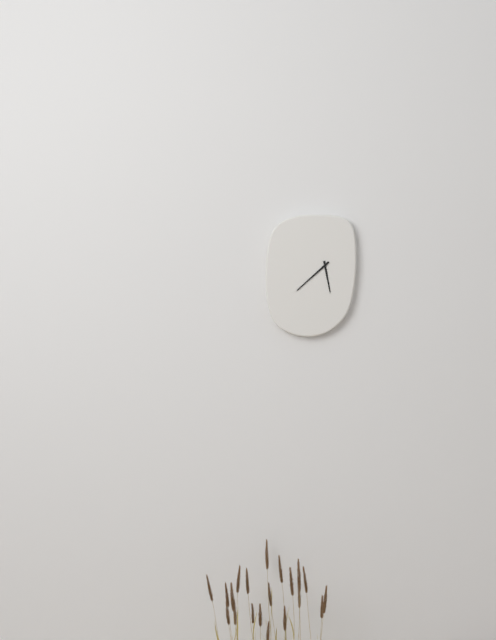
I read {"hour": 5, "minute": 38}
